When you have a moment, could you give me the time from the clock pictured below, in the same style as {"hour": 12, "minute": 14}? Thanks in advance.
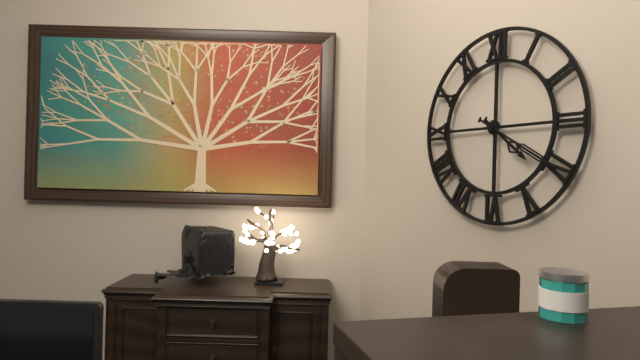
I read {"hour": 4, "minute": 20}
